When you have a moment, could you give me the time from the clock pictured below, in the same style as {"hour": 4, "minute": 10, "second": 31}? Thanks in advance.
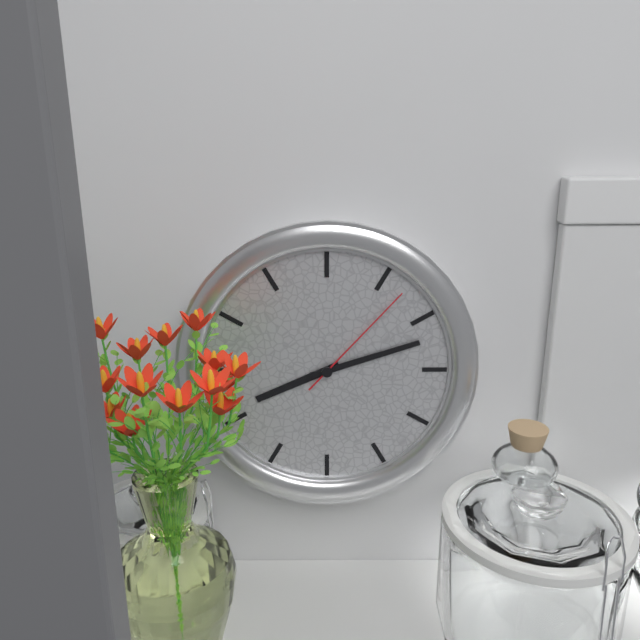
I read {"hour": 8, "minute": 12, "second": 7}
